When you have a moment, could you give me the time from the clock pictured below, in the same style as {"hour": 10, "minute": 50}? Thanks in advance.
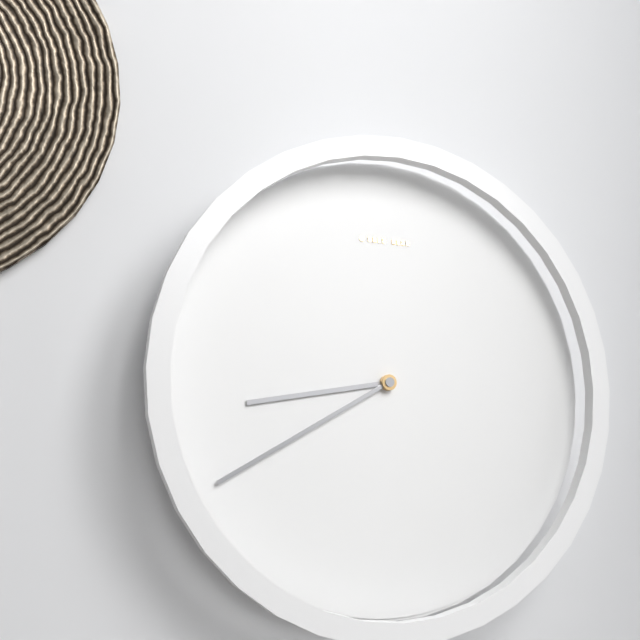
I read {"hour": 8, "minute": 40}
